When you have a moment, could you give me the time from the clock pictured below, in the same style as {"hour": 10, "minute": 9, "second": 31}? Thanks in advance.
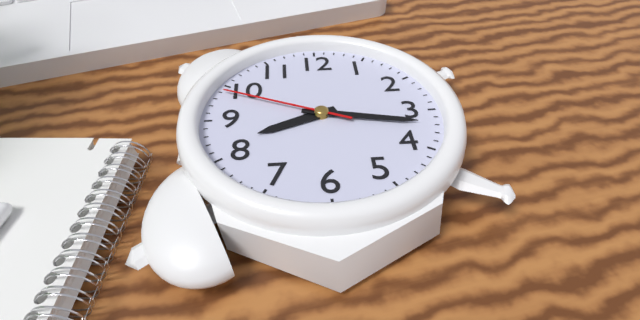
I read {"hour": 8, "minute": 17, "second": 49}
